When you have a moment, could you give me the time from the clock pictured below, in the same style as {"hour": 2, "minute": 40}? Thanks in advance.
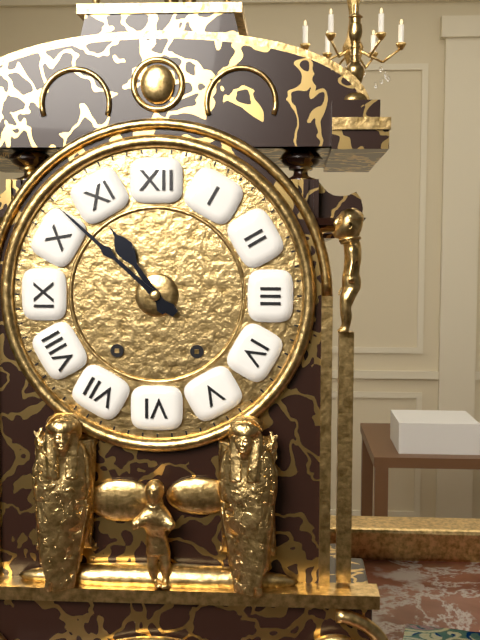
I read {"hour": 10, "minute": 52}
